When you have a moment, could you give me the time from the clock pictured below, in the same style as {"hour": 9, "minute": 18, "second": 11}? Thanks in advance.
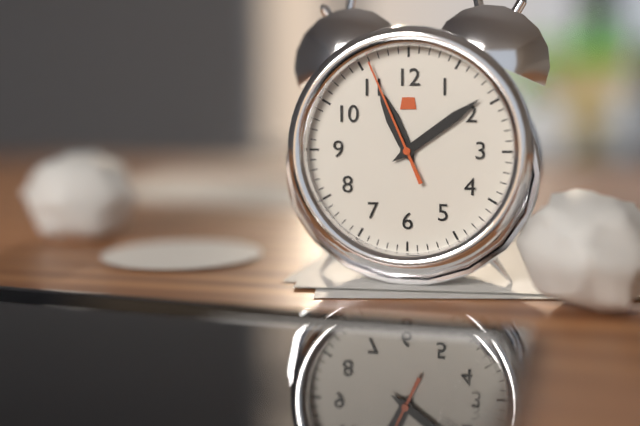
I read {"hour": 11, "minute": 9, "second": 56}
